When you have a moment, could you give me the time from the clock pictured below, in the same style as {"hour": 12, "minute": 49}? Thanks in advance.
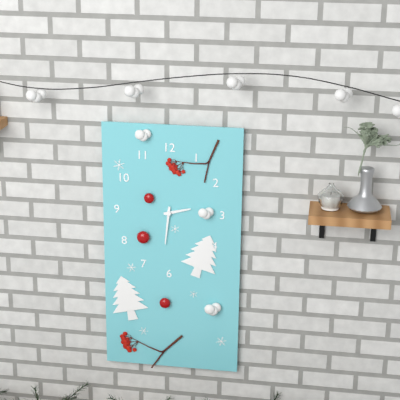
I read {"hour": 2, "minute": 31}
